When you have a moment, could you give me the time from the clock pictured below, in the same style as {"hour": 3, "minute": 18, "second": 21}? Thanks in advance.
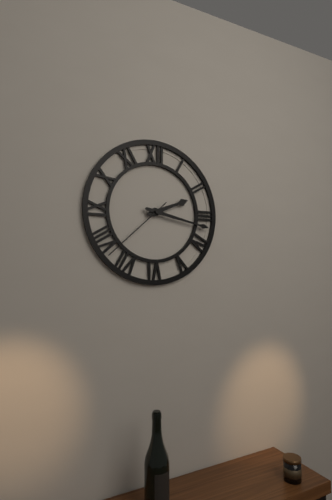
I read {"hour": 2, "minute": 17, "second": 38}
